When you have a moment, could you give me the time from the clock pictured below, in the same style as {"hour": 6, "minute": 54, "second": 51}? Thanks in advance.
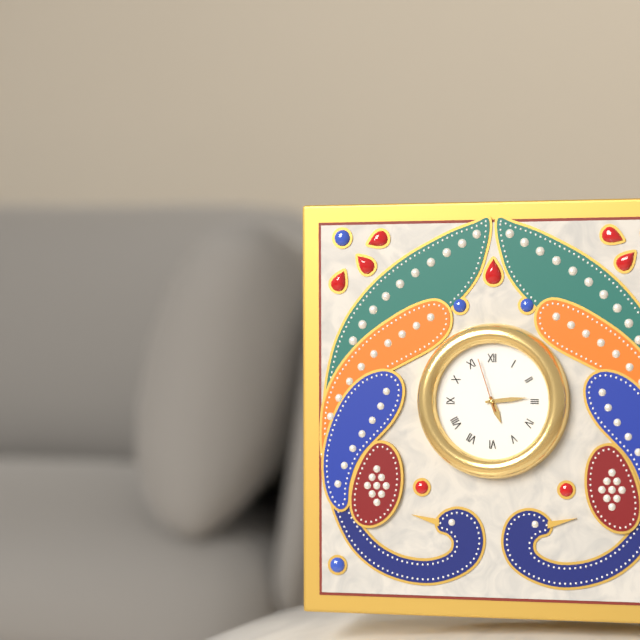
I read {"hour": 5, "minute": 14, "second": 57}
